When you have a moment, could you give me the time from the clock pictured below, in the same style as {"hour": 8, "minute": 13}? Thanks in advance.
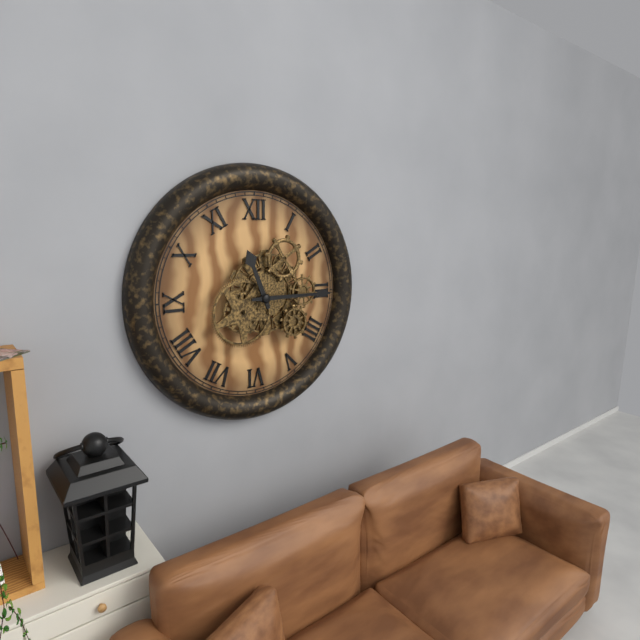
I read {"hour": 11, "minute": 15}
